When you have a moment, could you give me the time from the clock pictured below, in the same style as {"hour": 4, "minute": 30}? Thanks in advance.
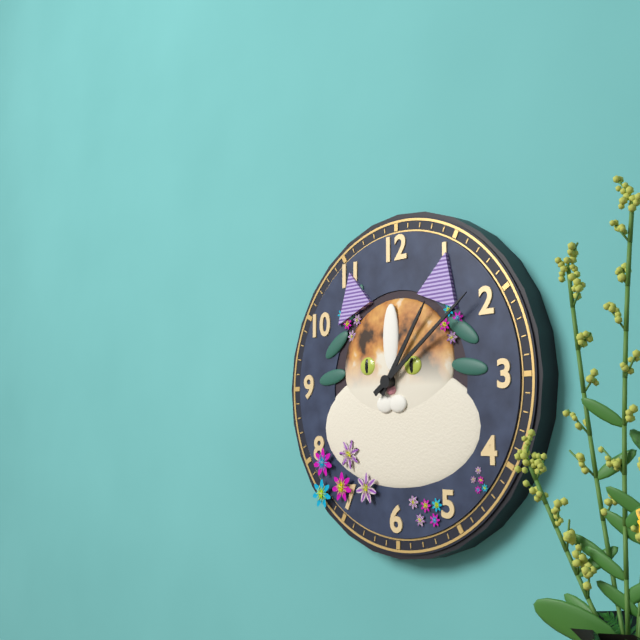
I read {"hour": 1, "minute": 9}
